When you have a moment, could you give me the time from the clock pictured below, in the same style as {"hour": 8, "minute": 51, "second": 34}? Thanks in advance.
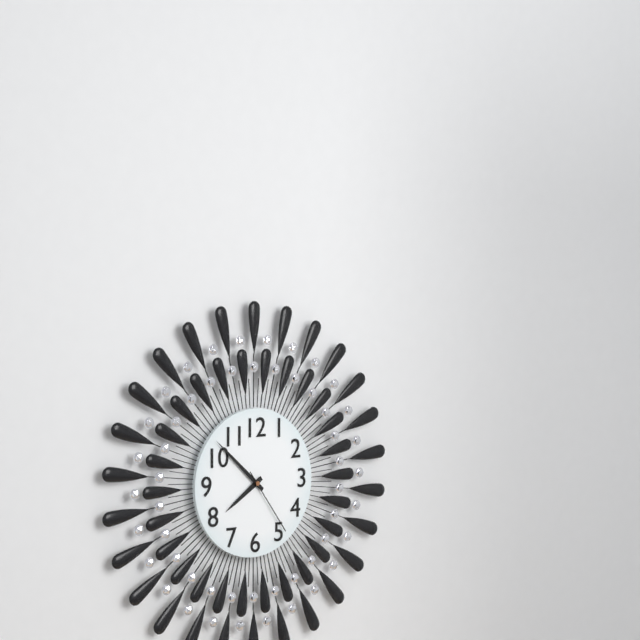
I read {"hour": 7, "minute": 52, "second": 24}
